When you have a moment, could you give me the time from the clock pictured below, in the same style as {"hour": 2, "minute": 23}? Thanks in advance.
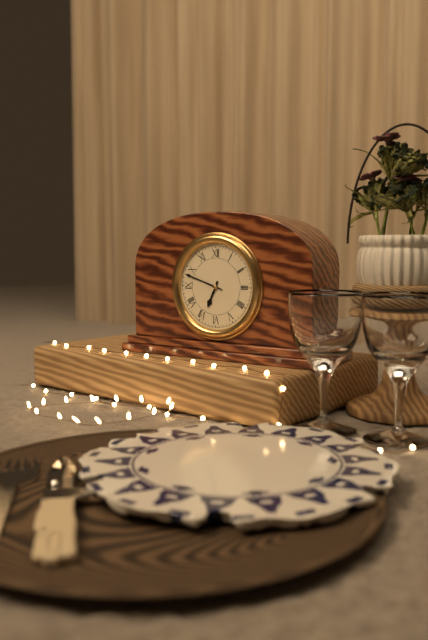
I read {"hour": 6, "minute": 48}
